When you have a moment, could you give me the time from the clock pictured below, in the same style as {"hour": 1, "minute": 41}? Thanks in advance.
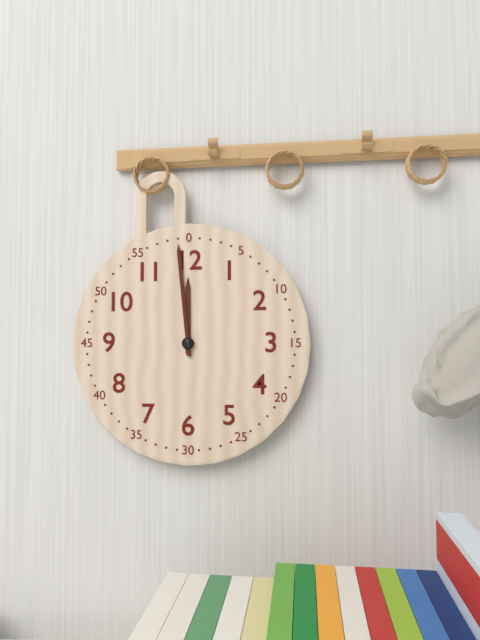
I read {"hour": 11, "minute": 59}
